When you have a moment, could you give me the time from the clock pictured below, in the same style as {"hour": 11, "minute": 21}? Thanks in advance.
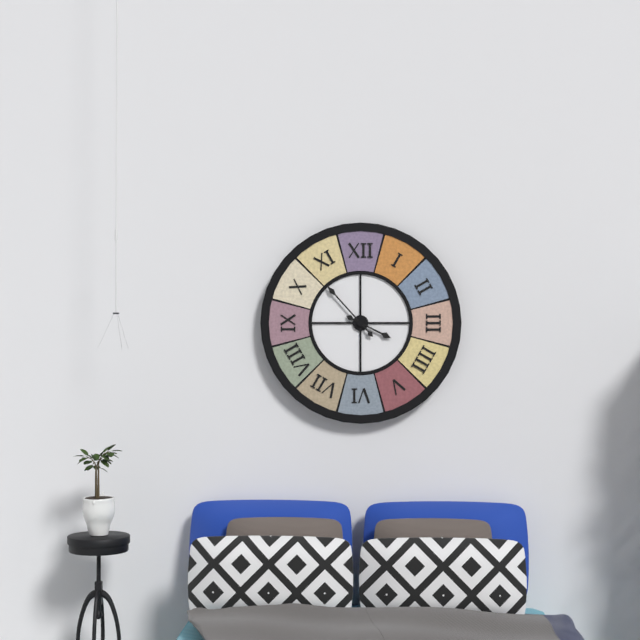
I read {"hour": 3, "minute": 53}
